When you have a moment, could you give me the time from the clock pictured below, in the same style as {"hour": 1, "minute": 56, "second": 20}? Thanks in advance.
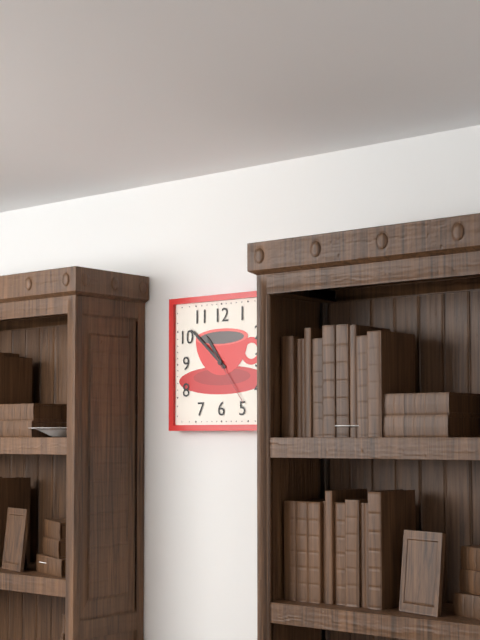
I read {"hour": 10, "minute": 52, "second": 24}
